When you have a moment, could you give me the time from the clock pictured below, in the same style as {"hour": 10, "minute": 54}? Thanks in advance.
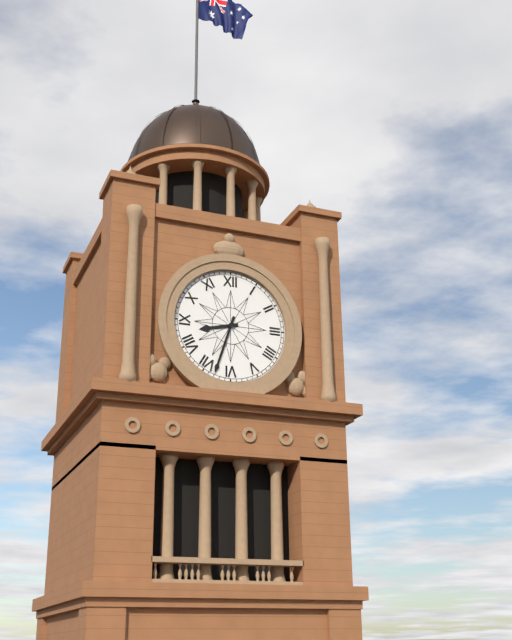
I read {"hour": 8, "minute": 33}
